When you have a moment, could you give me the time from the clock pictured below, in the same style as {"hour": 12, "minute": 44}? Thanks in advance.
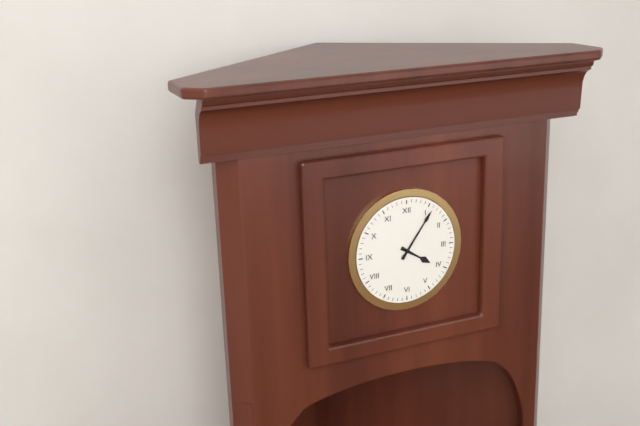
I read {"hour": 4, "minute": 6}
